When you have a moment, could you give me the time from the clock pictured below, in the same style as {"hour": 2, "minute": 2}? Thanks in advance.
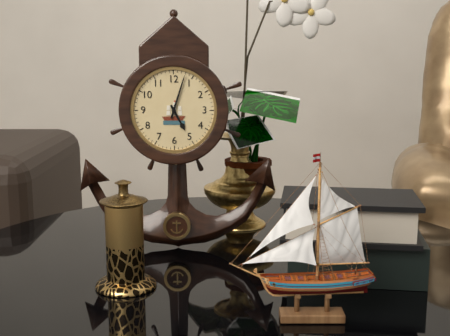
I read {"hour": 5, "minute": 3}
